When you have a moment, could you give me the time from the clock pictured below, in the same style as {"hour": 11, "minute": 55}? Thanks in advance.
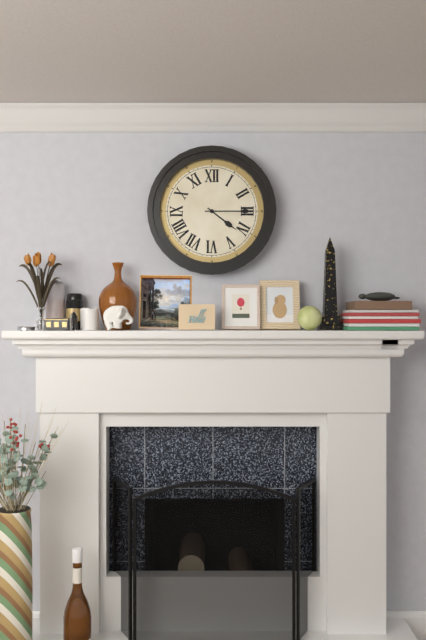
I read {"hour": 4, "minute": 15}
